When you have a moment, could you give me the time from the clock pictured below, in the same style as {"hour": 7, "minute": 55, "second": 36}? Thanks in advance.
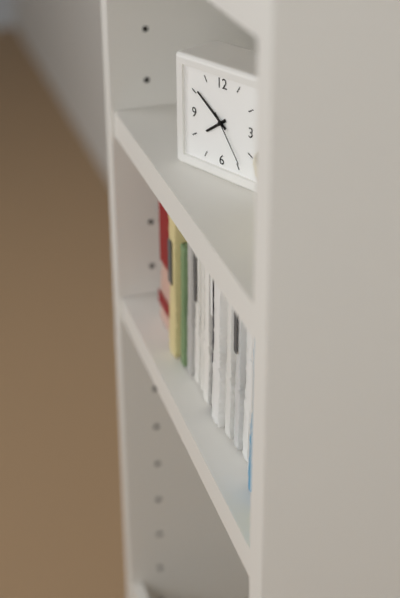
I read {"hour": 7, "minute": 51, "second": 24}
